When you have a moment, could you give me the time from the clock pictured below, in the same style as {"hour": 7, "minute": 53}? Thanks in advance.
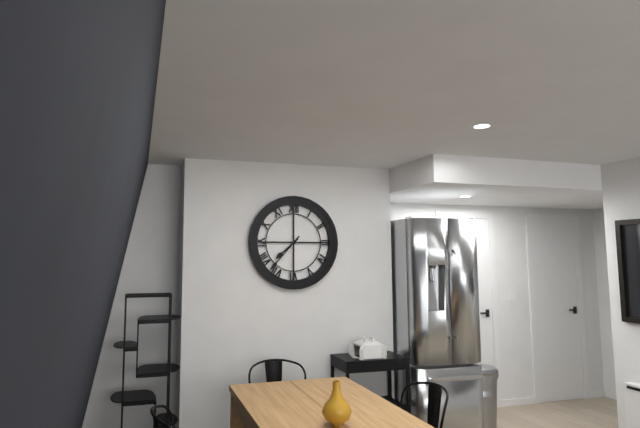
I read {"hour": 7, "minute": 37}
